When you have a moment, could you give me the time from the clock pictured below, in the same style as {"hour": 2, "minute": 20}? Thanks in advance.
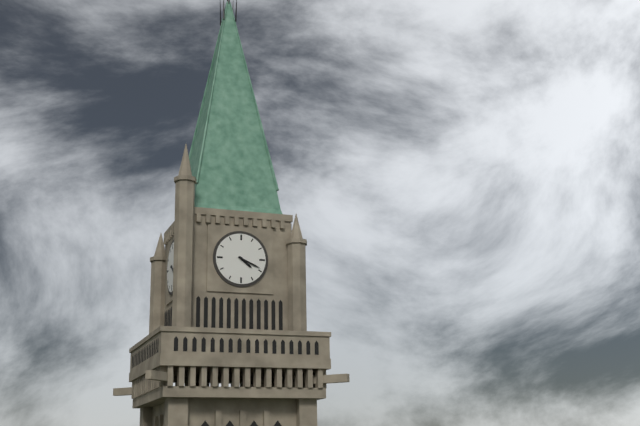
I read {"hour": 4, "minute": 19}
